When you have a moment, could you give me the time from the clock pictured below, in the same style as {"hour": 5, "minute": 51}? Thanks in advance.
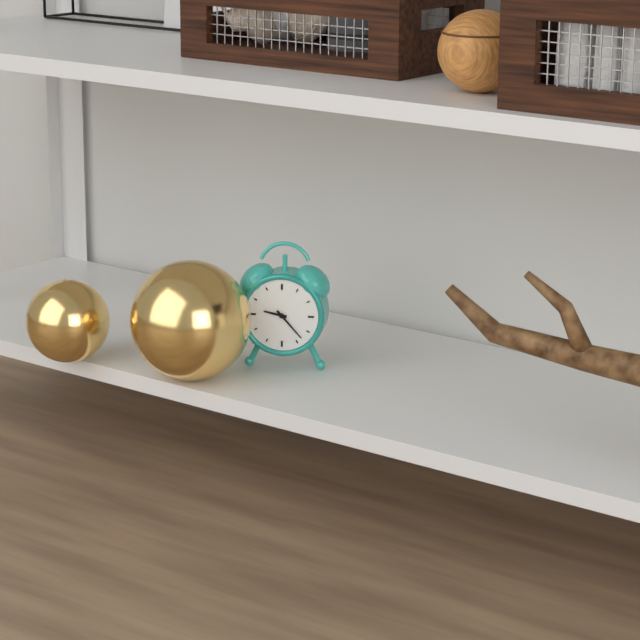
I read {"hour": 9, "minute": 23}
